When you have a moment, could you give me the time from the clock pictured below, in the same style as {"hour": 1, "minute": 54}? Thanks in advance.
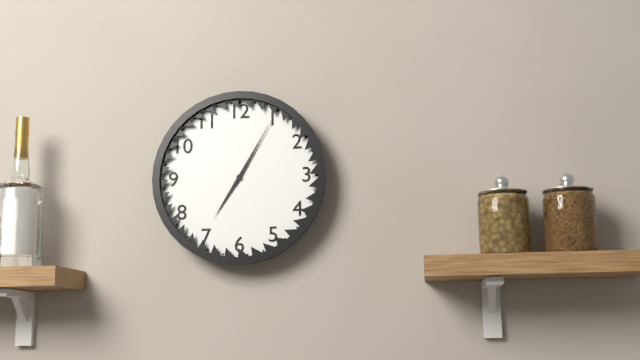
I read {"hour": 7, "minute": 5}
